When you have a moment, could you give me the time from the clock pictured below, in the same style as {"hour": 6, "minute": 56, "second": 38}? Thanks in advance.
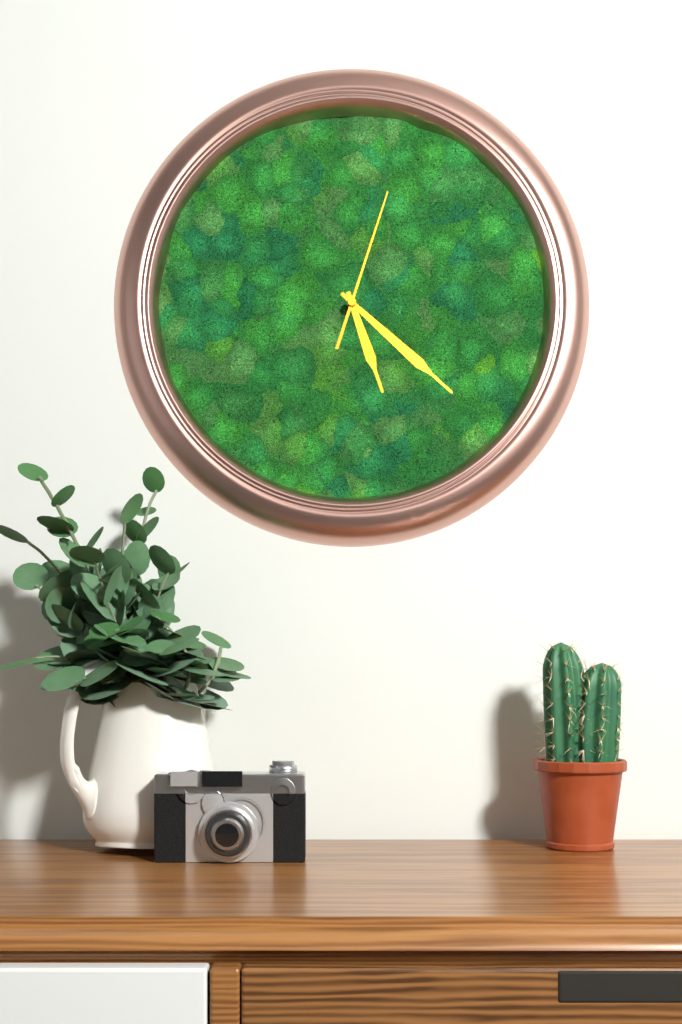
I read {"hour": 5, "minute": 22, "second": 3}
